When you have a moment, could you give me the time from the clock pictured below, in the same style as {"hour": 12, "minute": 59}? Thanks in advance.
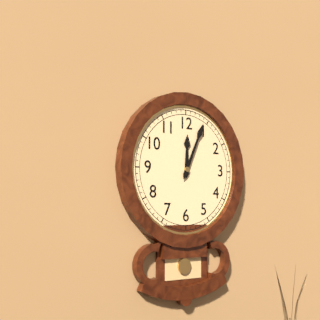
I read {"hour": 12, "minute": 4}
